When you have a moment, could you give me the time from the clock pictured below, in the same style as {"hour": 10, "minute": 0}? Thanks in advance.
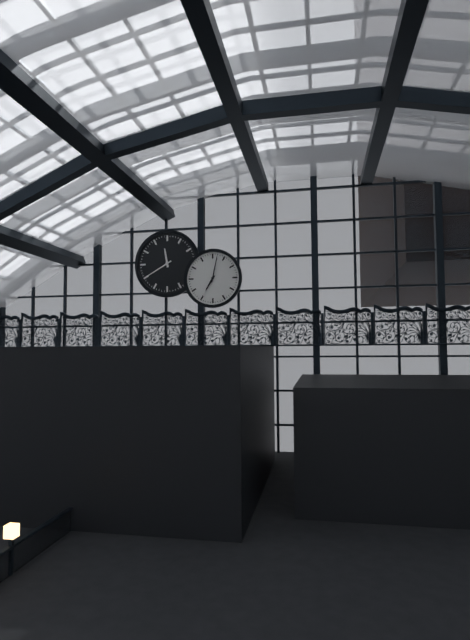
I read {"hour": 7, "minute": 2}
